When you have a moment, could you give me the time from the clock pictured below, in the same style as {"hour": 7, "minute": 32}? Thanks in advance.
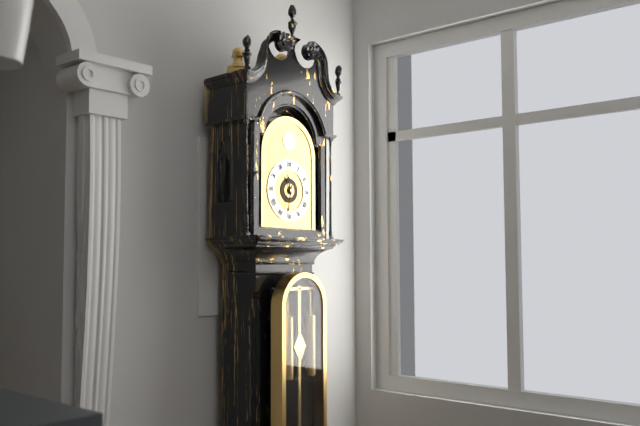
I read {"hour": 11, "minute": 32}
